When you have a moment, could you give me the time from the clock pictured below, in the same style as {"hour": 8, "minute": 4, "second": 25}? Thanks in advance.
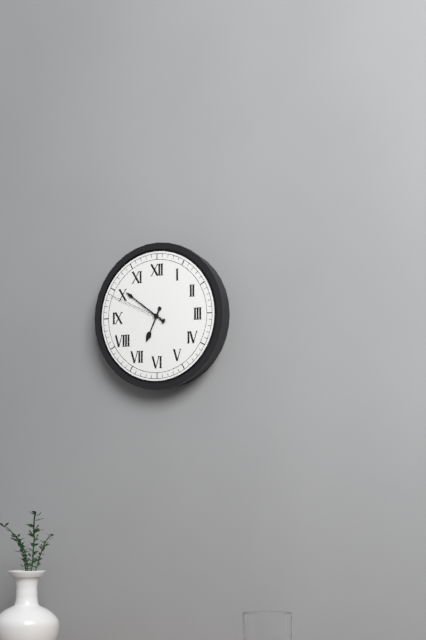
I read {"hour": 6, "minute": 51, "second": 49}
